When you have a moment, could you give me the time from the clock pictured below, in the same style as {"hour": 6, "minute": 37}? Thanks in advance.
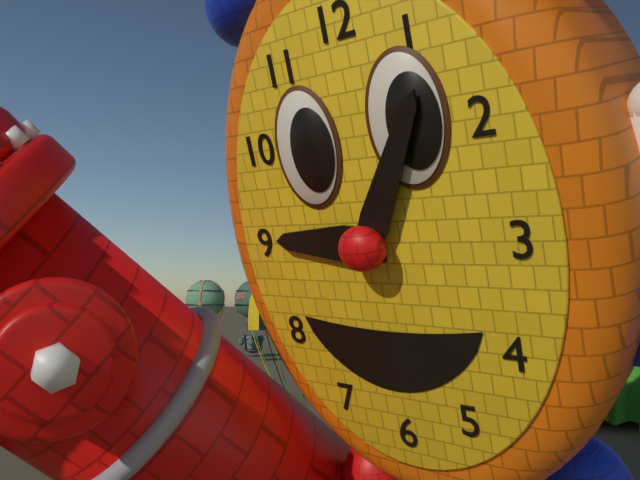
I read {"hour": 9, "minute": 5}
